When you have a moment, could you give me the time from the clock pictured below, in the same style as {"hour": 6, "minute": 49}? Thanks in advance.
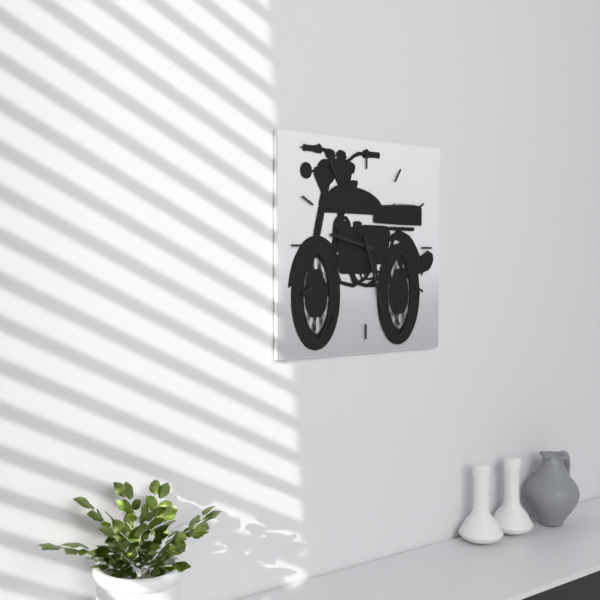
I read {"hour": 9, "minute": 27}
